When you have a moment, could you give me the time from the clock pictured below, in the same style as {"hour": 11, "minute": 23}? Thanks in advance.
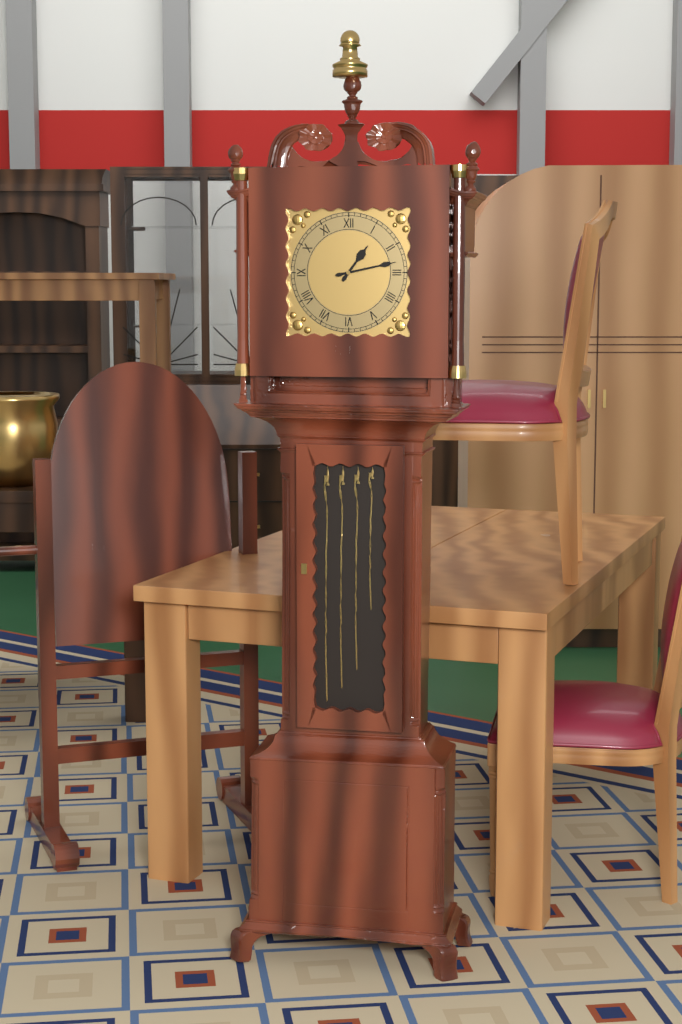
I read {"hour": 1, "minute": 13}
